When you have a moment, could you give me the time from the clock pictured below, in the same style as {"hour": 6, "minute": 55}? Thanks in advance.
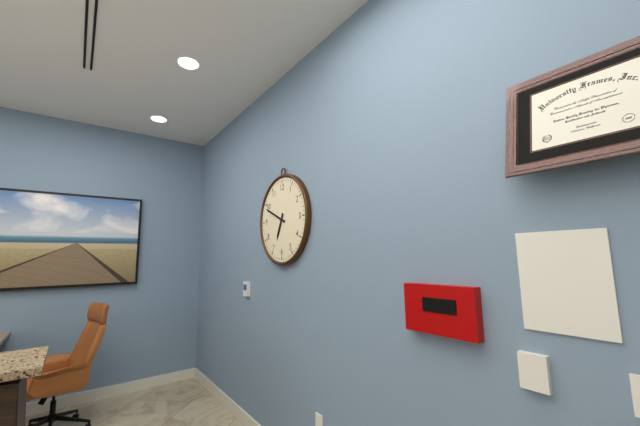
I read {"hour": 6, "minute": 49}
